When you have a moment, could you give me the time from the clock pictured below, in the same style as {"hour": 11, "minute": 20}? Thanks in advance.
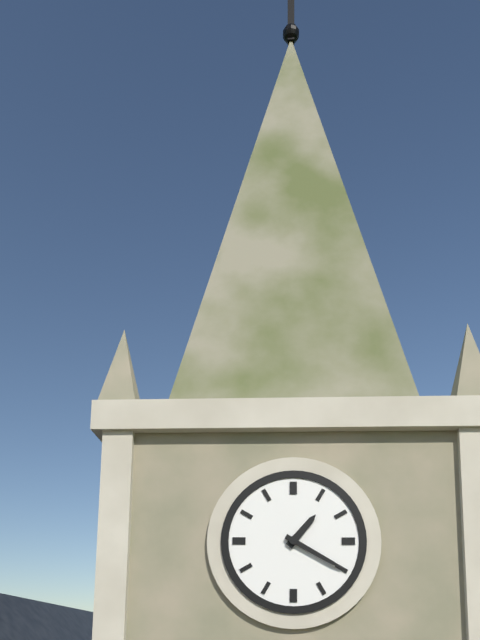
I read {"hour": 1, "minute": 20}
